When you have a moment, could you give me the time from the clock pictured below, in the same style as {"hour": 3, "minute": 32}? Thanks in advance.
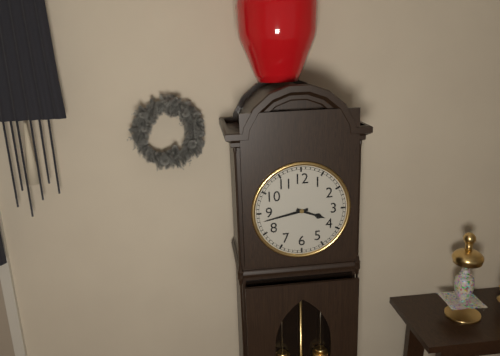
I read {"hour": 3, "minute": 43}
